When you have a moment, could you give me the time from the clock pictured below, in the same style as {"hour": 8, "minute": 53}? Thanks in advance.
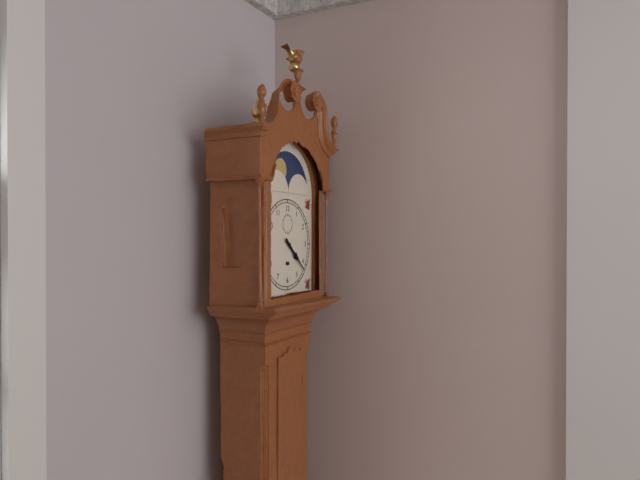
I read {"hour": 4, "minute": 22}
